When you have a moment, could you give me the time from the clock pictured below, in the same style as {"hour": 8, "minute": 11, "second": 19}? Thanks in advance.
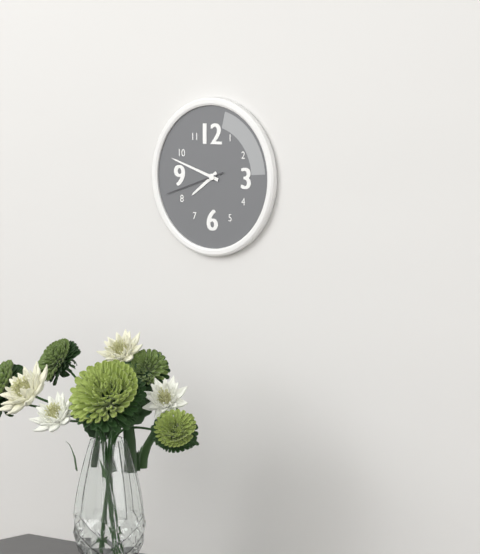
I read {"hour": 7, "minute": 48, "second": 42}
